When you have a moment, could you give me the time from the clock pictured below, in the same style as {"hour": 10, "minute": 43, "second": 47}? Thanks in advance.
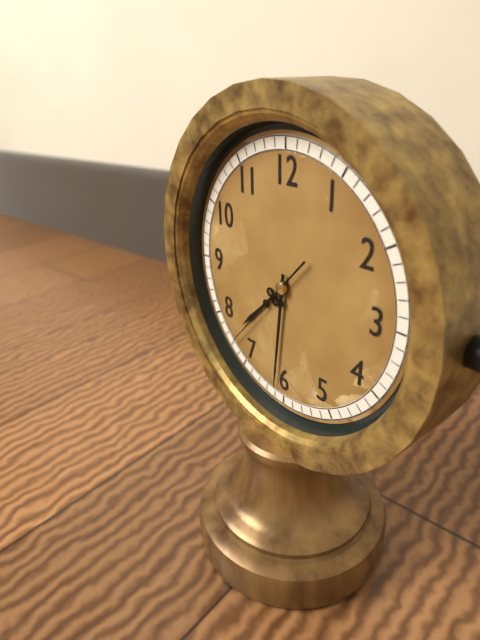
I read {"hour": 7, "minute": 31, "second": 37}
